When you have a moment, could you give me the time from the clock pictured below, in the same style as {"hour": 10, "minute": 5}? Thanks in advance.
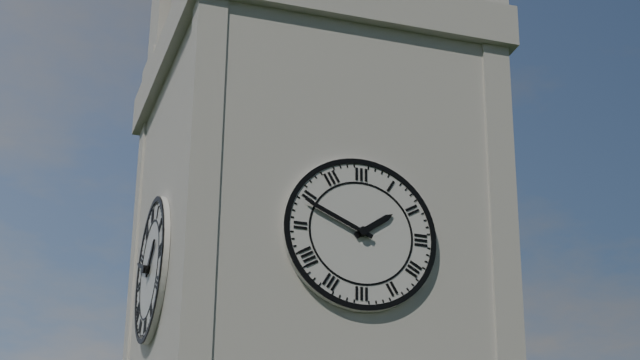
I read {"hour": 1, "minute": 49}
